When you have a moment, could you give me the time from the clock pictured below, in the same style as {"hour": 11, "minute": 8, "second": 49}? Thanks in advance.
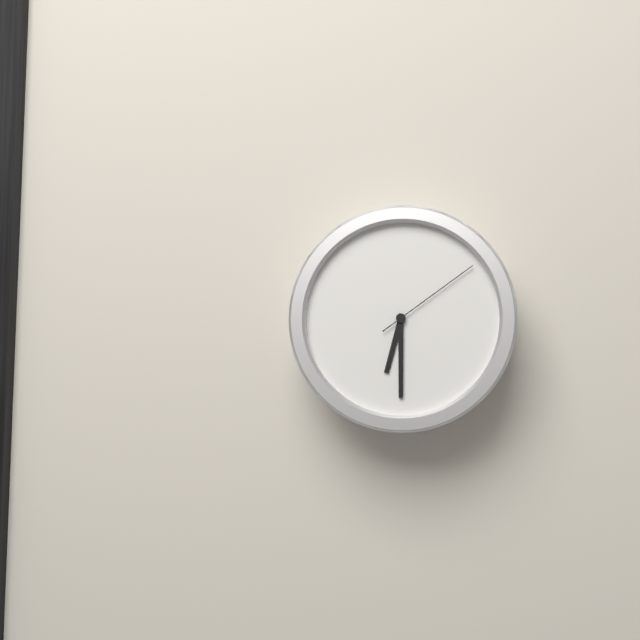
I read {"hour": 6, "minute": 30, "second": 9}
